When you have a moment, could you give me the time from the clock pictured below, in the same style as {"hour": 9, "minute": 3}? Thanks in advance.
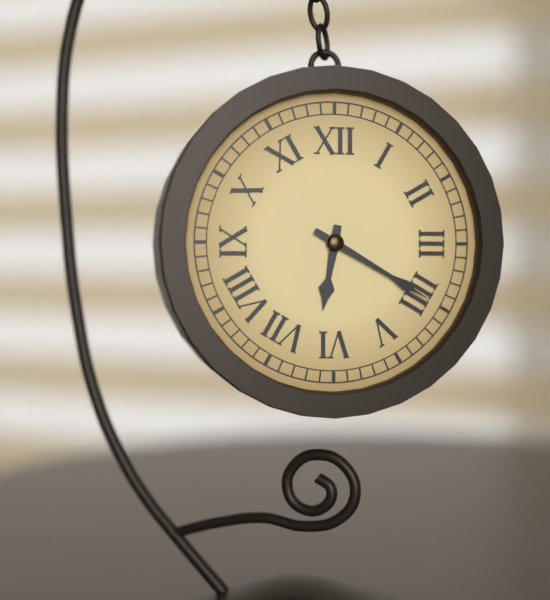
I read {"hour": 6, "minute": 20}
